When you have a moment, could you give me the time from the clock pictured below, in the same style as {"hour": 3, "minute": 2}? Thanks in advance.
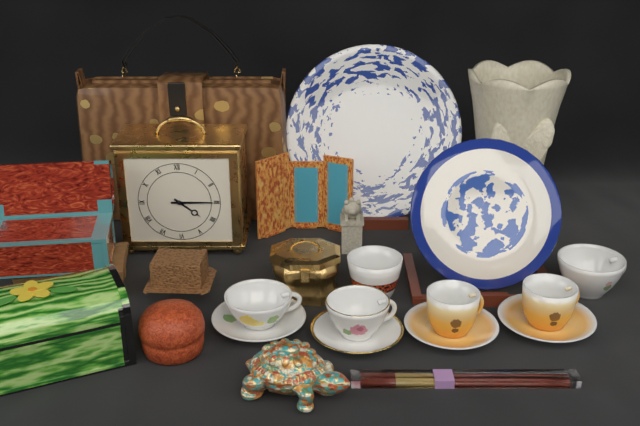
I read {"hour": 4, "minute": 15}
